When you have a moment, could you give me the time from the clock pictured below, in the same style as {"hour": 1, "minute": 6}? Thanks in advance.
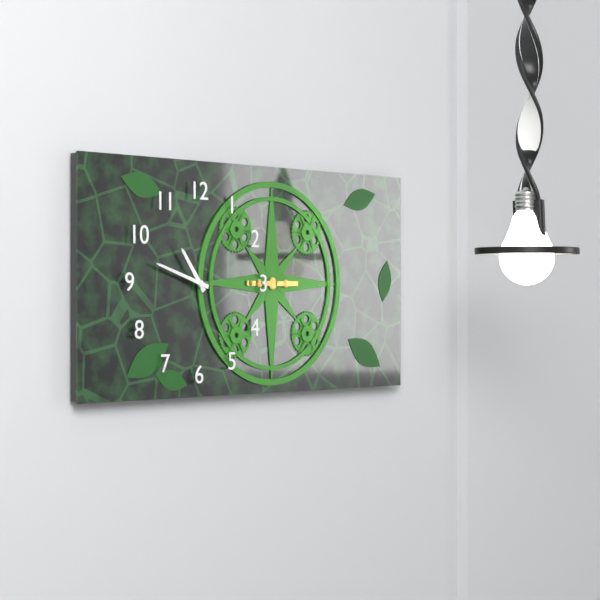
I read {"hour": 10, "minute": 48}
